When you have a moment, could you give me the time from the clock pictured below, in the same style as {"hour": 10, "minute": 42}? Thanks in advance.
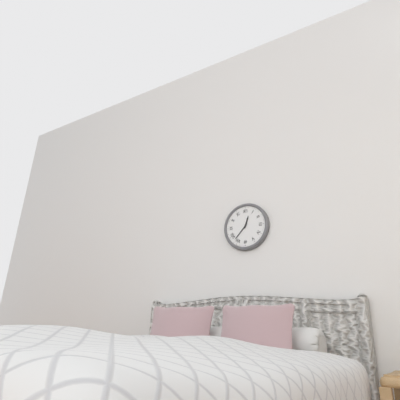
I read {"hour": 12, "minute": 37}
